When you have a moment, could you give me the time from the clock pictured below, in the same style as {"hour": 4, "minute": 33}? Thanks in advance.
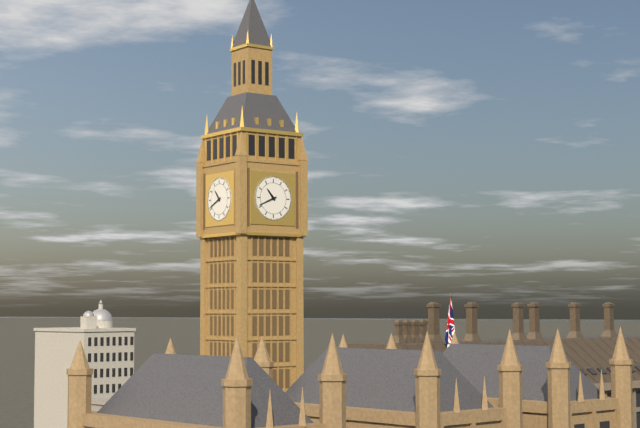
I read {"hour": 10, "minute": 41}
